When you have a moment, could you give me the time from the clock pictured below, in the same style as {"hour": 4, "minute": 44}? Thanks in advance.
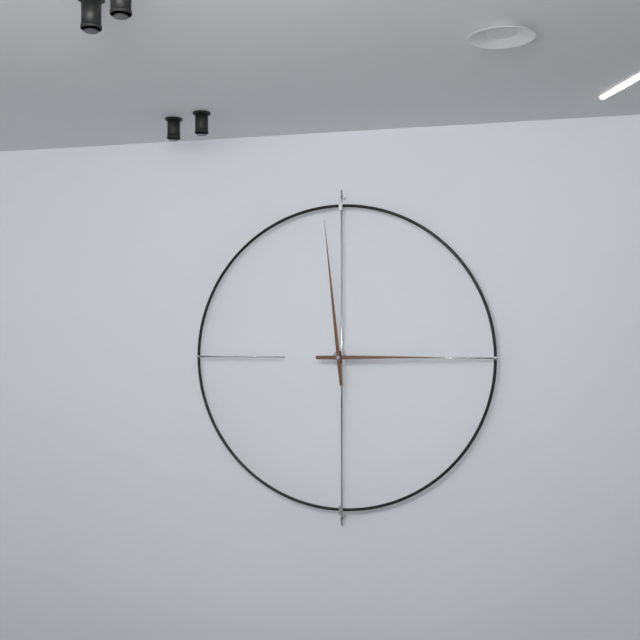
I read {"hour": 2, "minute": 59}
